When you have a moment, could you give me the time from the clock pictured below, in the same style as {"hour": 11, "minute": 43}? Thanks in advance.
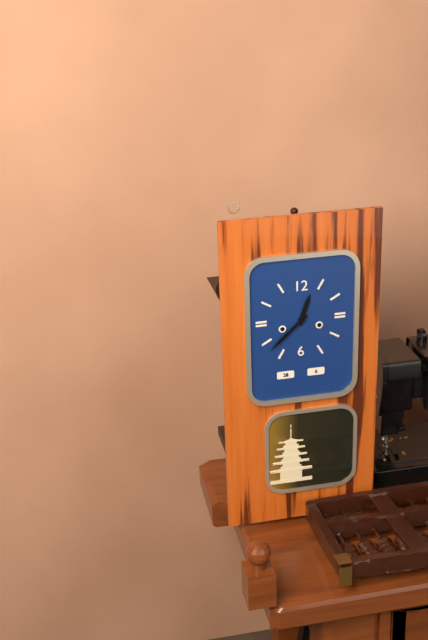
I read {"hour": 12, "minute": 38}
